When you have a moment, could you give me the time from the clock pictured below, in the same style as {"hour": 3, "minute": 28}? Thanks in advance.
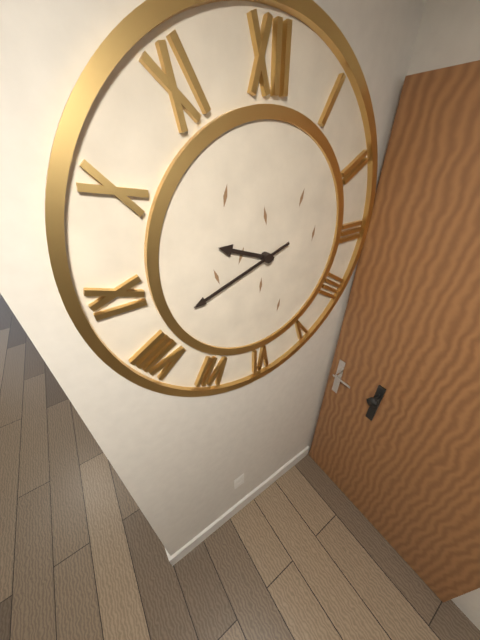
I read {"hour": 9, "minute": 42}
